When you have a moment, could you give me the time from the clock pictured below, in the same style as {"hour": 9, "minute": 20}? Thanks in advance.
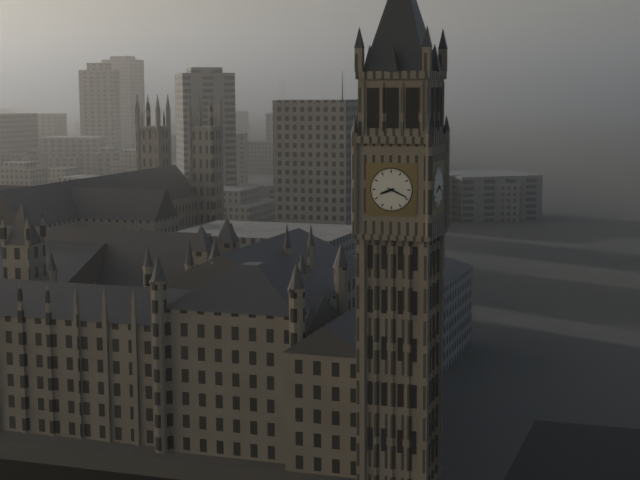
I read {"hour": 8, "minute": 19}
